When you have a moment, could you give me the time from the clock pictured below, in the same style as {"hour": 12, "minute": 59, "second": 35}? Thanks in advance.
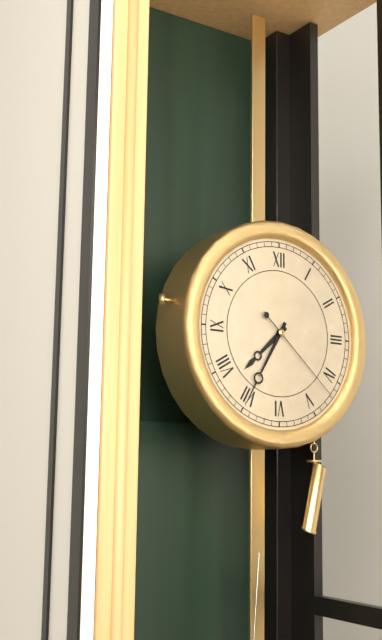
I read {"hour": 7, "minute": 35, "second": 22}
